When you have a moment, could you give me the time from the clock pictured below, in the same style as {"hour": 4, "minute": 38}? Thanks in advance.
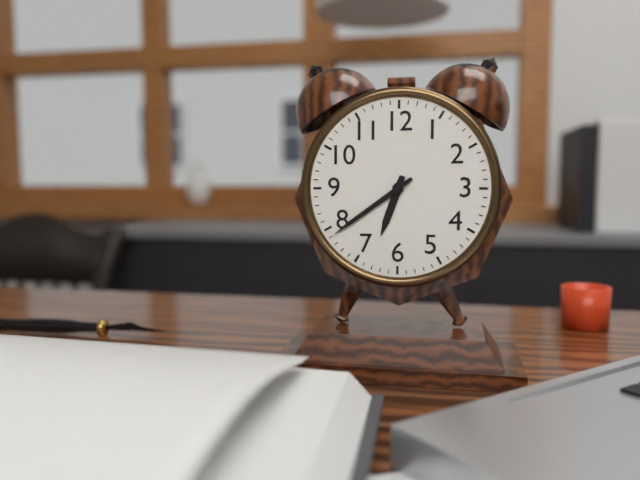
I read {"hour": 6, "minute": 39}
